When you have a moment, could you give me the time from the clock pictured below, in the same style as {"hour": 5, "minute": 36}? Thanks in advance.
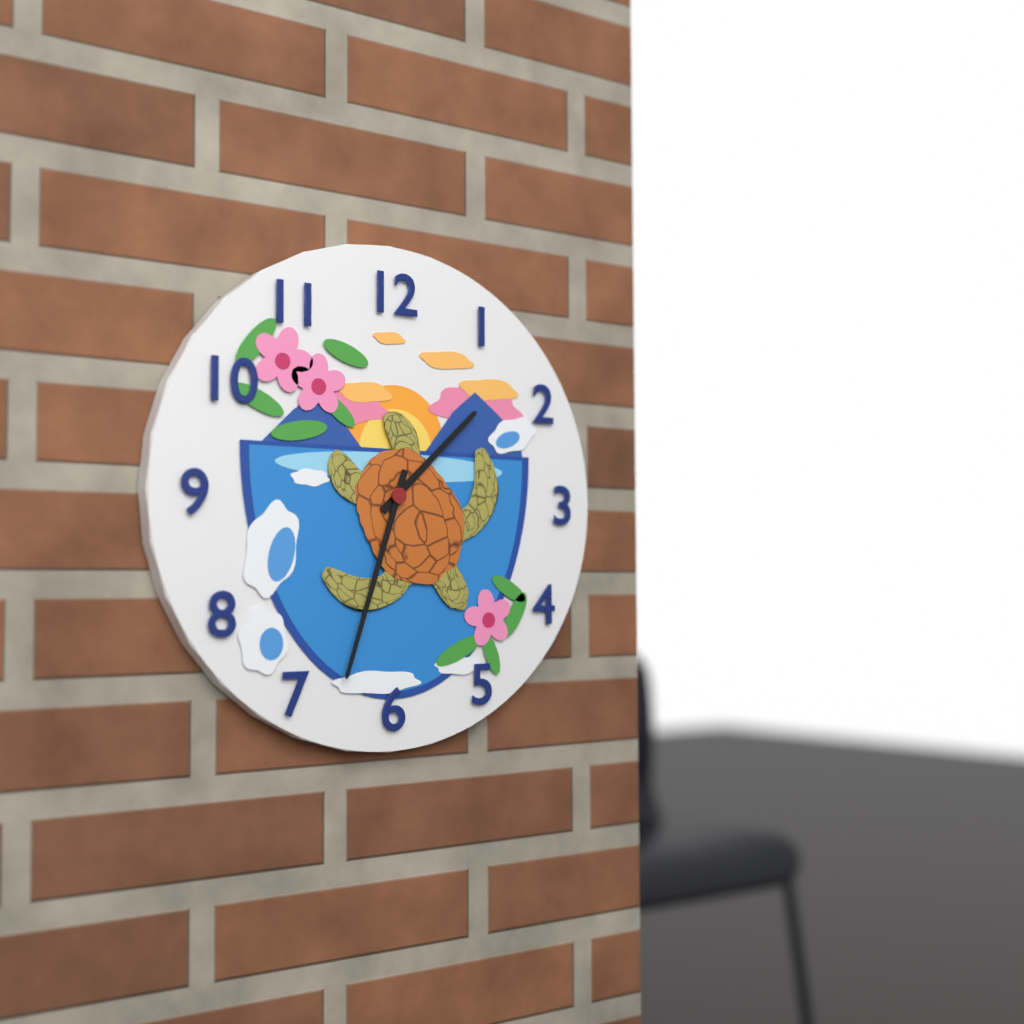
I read {"hour": 1, "minute": 33}
